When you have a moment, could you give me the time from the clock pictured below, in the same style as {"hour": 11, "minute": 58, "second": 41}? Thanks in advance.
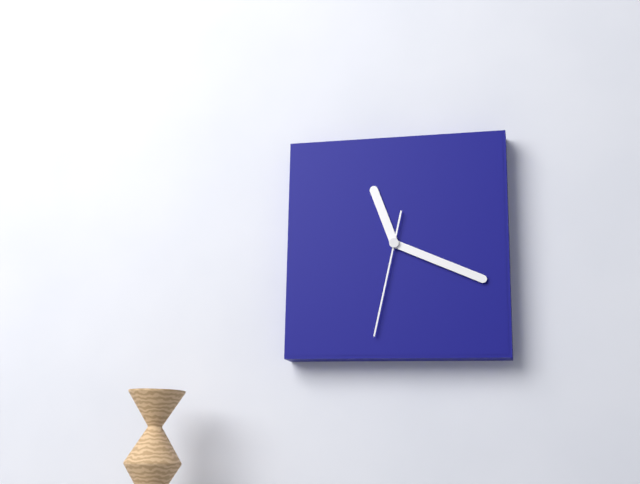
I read {"hour": 11, "minute": 19, "second": 32}
